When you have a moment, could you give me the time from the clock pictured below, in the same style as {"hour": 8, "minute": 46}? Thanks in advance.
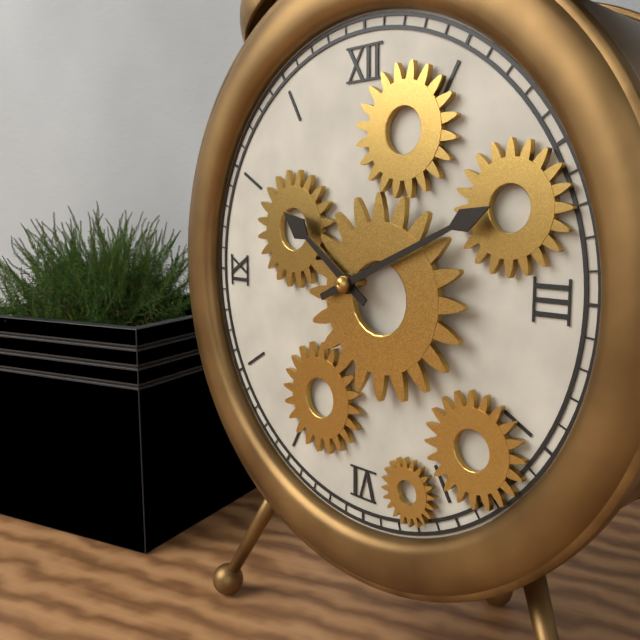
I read {"hour": 10, "minute": 11}
